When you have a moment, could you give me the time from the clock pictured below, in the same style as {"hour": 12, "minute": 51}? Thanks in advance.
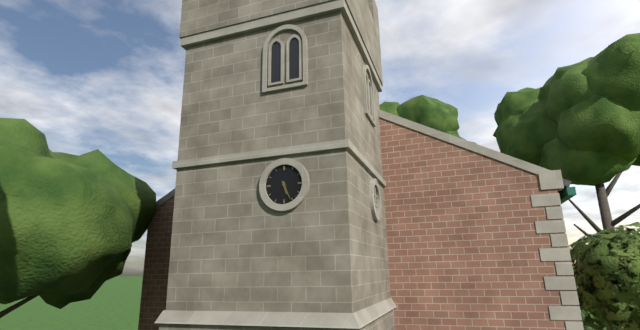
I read {"hour": 5, "minute": 26}
